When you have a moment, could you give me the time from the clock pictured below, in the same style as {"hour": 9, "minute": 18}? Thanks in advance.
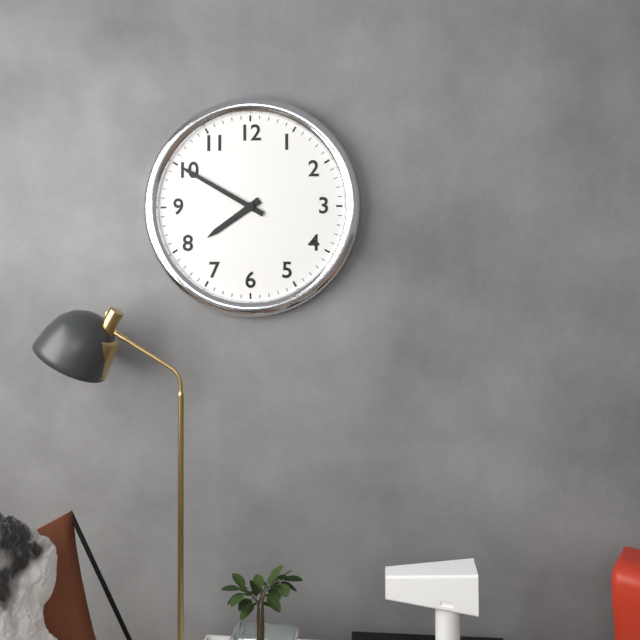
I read {"hour": 7, "minute": 50}
